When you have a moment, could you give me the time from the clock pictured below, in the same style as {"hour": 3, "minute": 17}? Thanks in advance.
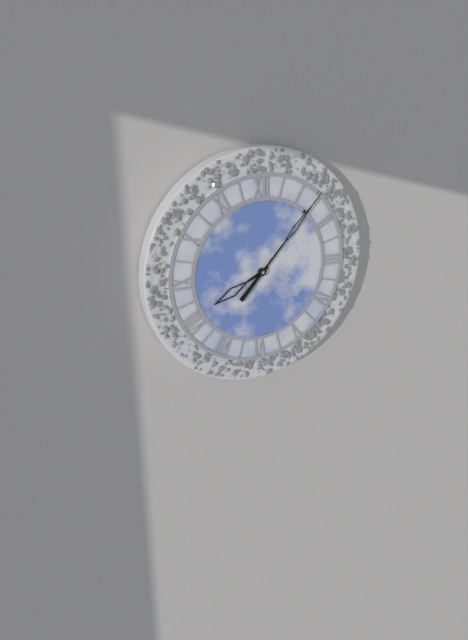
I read {"hour": 8, "minute": 7}
